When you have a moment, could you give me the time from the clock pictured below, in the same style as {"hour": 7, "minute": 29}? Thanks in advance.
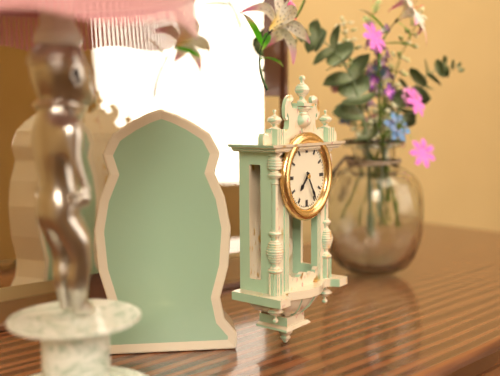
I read {"hour": 7, "minute": 25}
